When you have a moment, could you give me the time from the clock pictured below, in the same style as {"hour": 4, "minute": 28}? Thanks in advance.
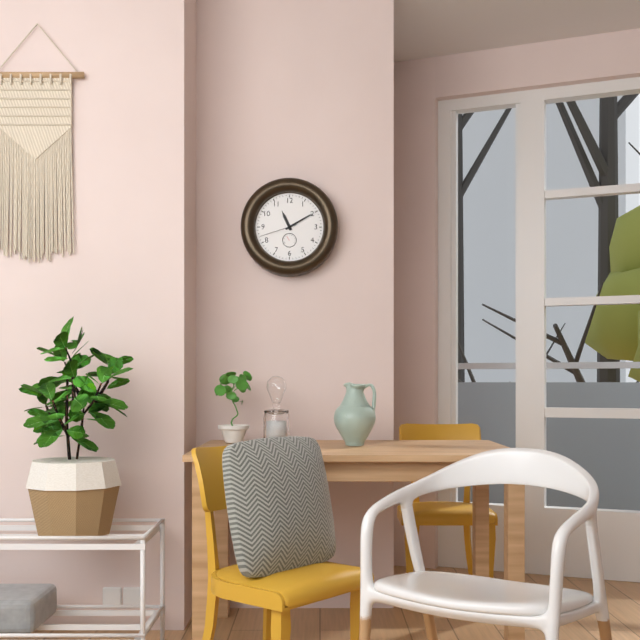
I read {"hour": 11, "minute": 10}
